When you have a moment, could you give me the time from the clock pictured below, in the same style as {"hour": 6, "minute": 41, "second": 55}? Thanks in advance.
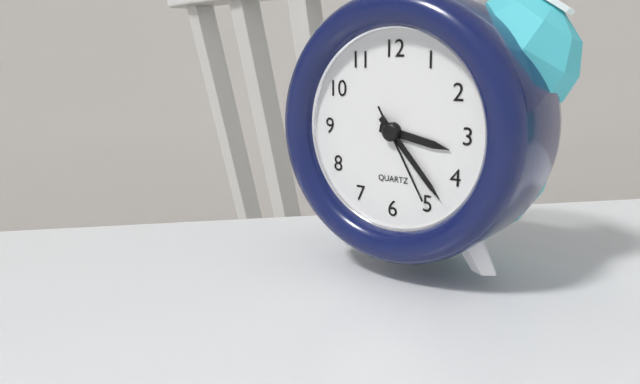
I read {"hour": 3, "minute": 23, "second": 25}
